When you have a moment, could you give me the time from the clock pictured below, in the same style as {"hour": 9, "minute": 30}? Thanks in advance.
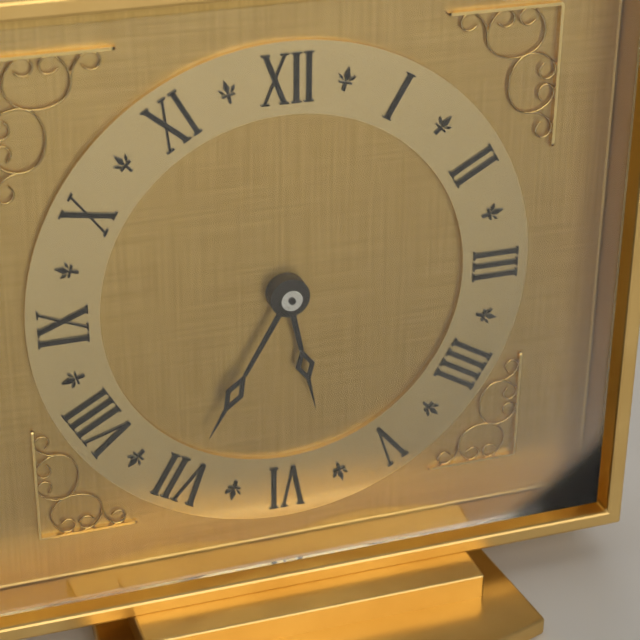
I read {"hour": 5, "minute": 35}
